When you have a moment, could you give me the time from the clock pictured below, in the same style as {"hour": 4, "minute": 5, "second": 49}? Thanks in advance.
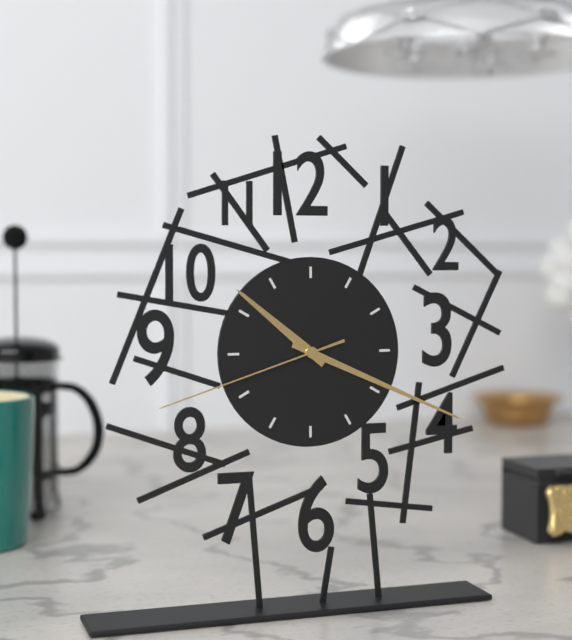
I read {"hour": 10, "minute": 19, "second": 42}
